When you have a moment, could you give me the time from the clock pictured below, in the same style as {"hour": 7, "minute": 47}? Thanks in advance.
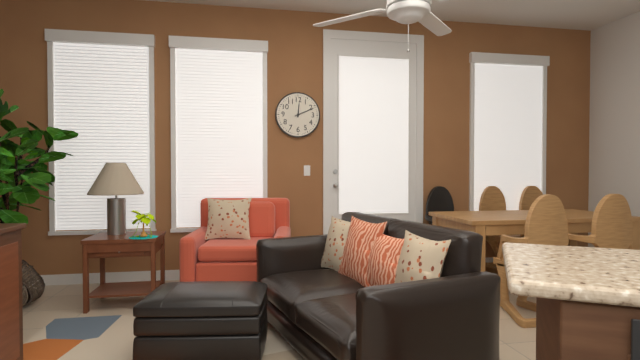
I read {"hour": 12, "minute": 11}
